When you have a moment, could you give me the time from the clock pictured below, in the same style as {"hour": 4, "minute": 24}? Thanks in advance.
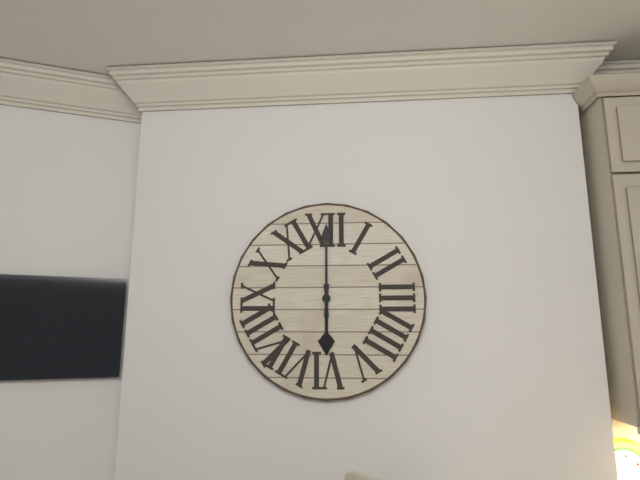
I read {"hour": 6, "minute": 0}
